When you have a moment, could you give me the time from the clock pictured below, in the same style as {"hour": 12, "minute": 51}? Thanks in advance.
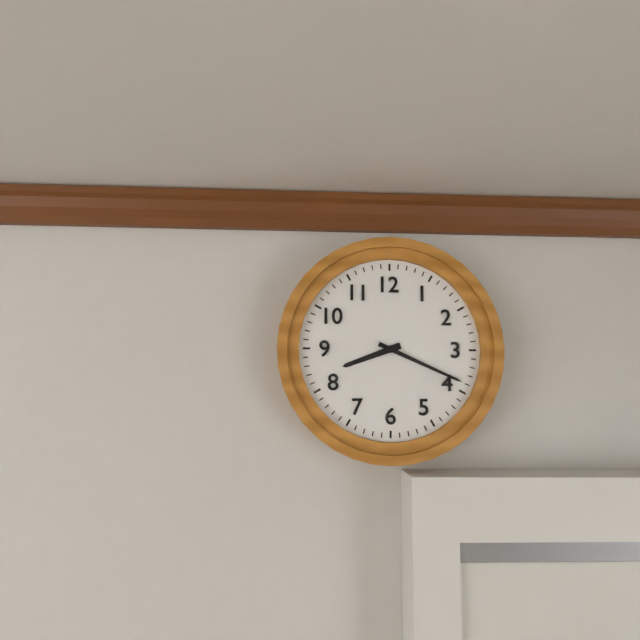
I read {"hour": 8, "minute": 19}
